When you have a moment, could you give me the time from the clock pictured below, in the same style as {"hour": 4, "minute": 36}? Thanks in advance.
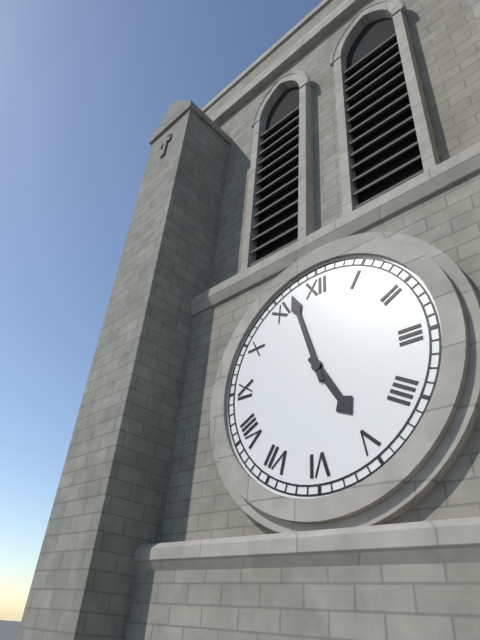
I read {"hour": 4, "minute": 57}
